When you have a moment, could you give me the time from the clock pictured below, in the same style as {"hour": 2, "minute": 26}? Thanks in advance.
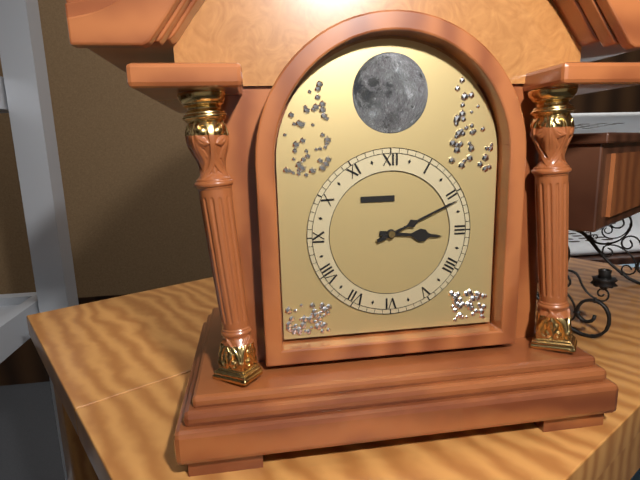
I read {"hour": 3, "minute": 11}
